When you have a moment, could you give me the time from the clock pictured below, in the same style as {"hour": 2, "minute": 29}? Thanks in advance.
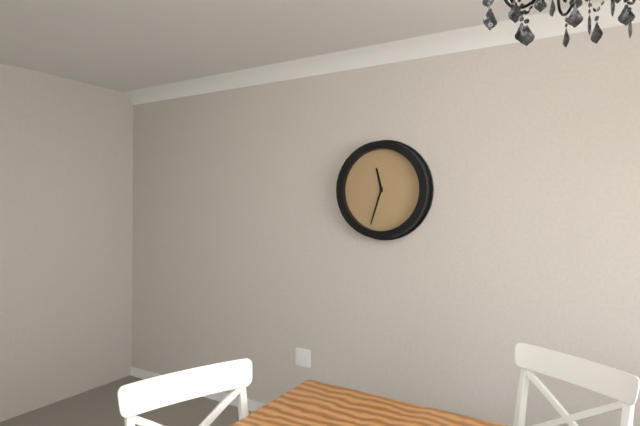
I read {"hour": 11, "minute": 33}
